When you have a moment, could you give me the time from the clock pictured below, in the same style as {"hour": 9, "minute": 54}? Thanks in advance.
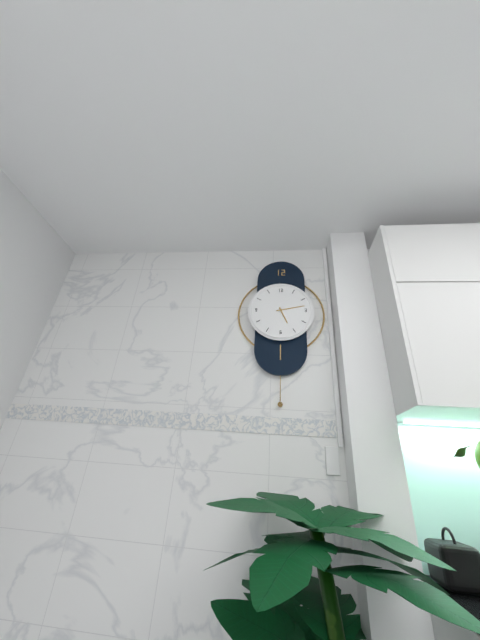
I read {"hour": 5, "minute": 13}
